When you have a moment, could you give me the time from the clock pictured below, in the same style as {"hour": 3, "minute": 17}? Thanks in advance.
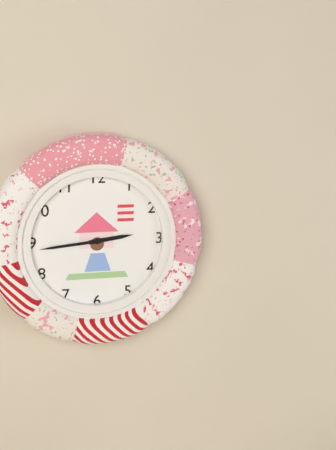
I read {"hour": 2, "minute": 44}
